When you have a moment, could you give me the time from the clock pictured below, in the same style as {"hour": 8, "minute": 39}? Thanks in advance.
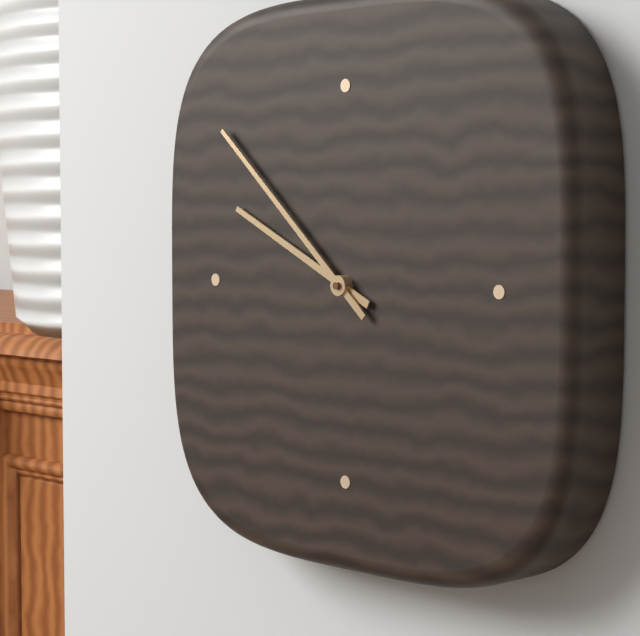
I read {"hour": 9, "minute": 52}
